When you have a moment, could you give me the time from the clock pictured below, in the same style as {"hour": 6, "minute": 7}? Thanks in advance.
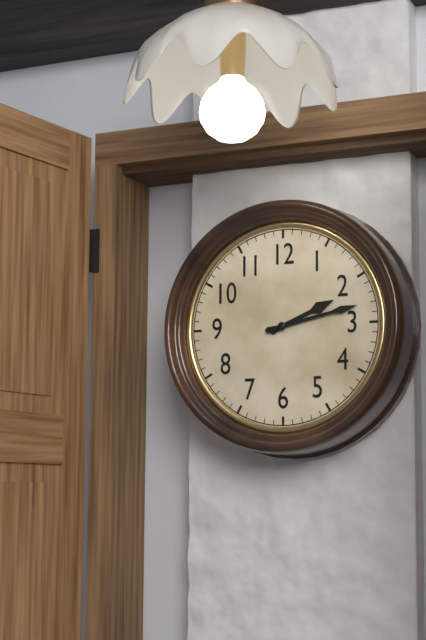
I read {"hour": 2, "minute": 13}
